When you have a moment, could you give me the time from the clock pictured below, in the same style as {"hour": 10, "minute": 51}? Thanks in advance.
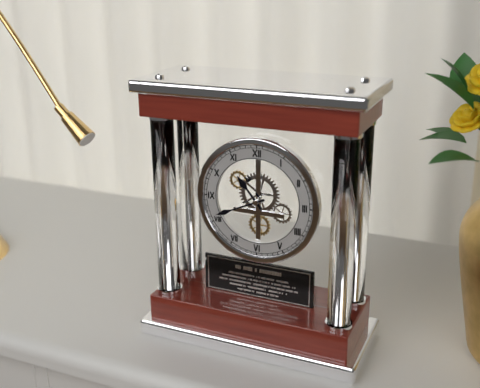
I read {"hour": 10, "minute": 41}
